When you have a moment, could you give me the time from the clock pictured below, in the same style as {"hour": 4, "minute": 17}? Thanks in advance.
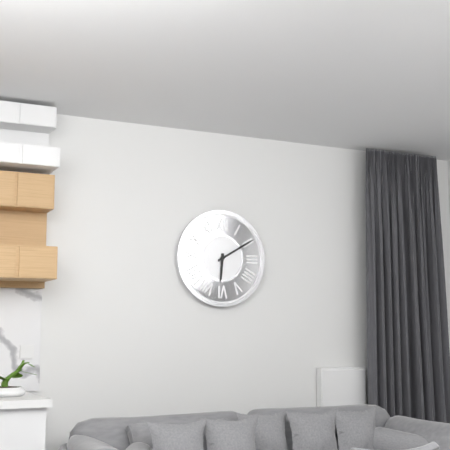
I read {"hour": 6, "minute": 10}
